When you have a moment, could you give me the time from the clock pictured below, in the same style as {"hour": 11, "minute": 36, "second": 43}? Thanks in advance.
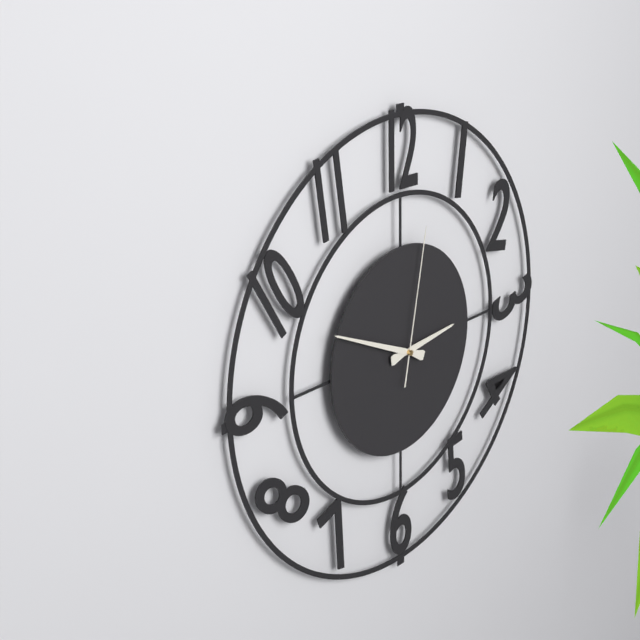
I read {"hour": 2, "minute": 49, "second": 2}
